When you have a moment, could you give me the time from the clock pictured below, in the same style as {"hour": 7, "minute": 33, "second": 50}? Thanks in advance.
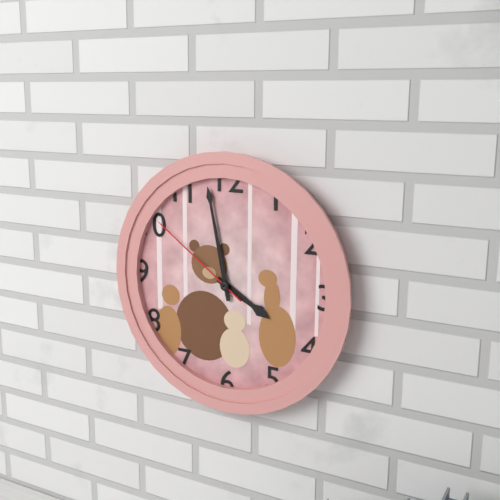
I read {"hour": 3, "minute": 58, "second": 51}
